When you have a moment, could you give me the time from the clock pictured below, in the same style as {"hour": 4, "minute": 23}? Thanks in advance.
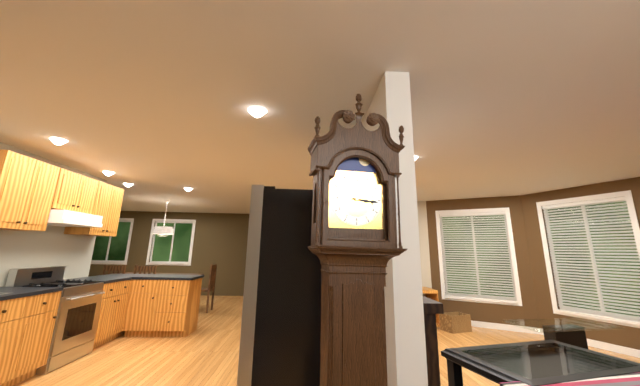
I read {"hour": 3, "minute": 16}
